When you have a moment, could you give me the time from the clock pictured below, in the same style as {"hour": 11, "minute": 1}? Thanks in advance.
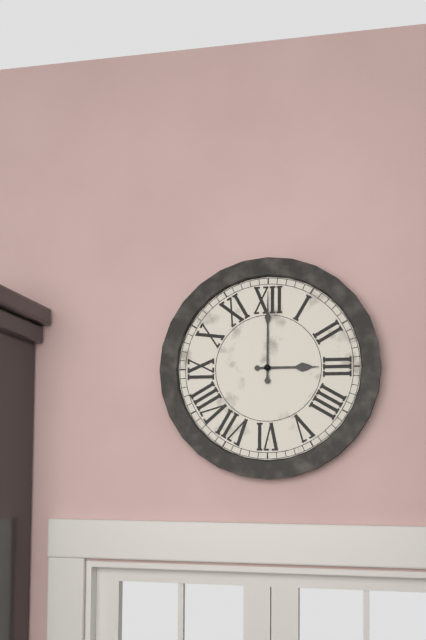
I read {"hour": 3, "minute": 0}
